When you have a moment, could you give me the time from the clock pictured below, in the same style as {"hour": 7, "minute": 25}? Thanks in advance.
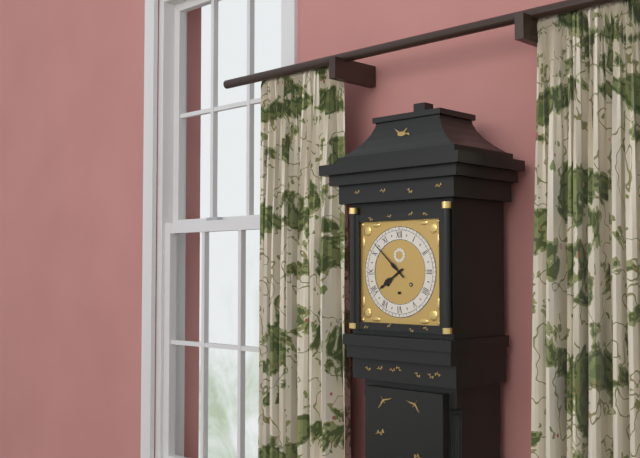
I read {"hour": 7, "minute": 52}
